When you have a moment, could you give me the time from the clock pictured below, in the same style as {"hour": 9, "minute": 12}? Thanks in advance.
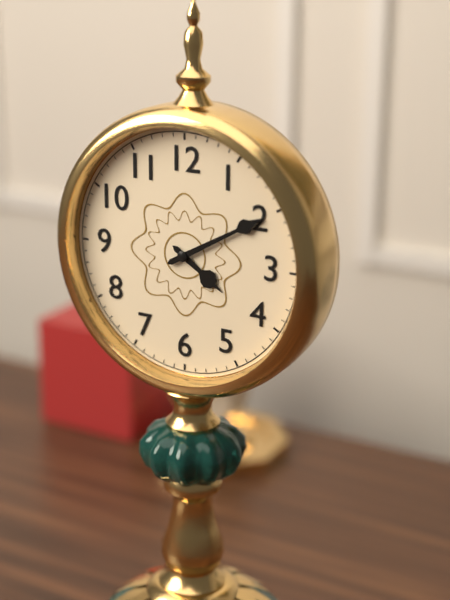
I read {"hour": 4, "minute": 10}
